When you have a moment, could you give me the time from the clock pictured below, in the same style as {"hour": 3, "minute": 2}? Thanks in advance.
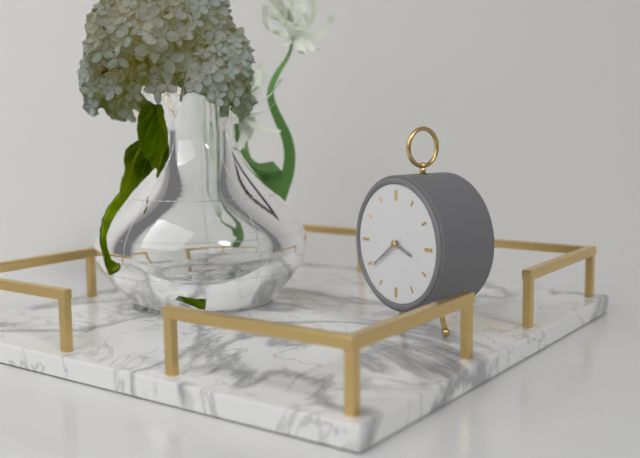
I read {"hour": 3, "minute": 39}
